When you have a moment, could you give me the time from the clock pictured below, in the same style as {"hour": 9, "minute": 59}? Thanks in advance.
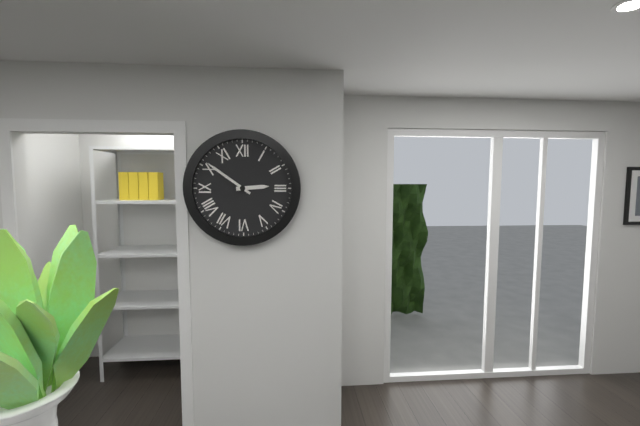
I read {"hour": 2, "minute": 51}
